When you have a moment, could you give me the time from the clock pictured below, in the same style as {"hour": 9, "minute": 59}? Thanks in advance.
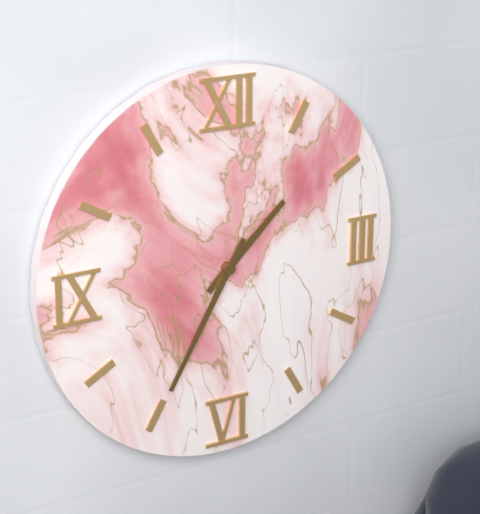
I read {"hour": 1, "minute": 35}
